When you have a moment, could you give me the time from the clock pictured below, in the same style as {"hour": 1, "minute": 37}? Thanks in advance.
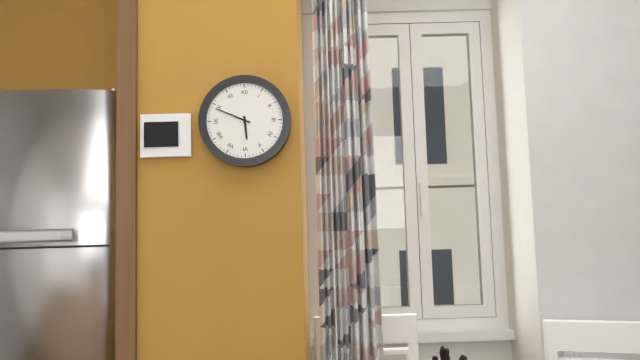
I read {"hour": 5, "minute": 49}
